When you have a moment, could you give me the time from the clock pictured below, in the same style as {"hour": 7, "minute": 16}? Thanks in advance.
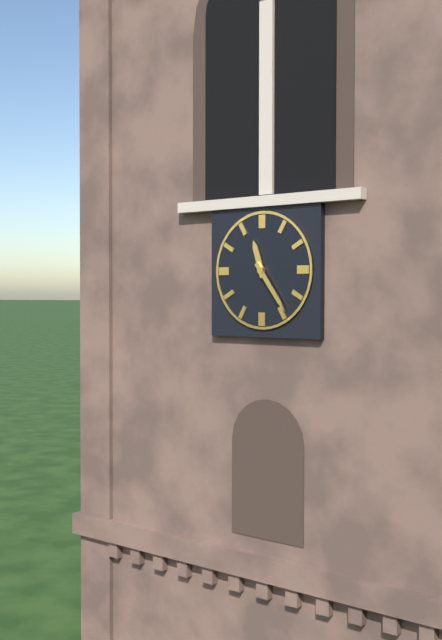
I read {"hour": 11, "minute": 24}
